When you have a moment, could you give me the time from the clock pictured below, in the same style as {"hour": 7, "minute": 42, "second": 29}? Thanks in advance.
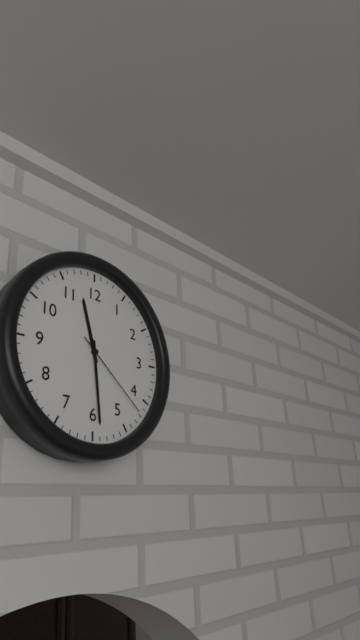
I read {"hour": 11, "minute": 29, "second": 22}
